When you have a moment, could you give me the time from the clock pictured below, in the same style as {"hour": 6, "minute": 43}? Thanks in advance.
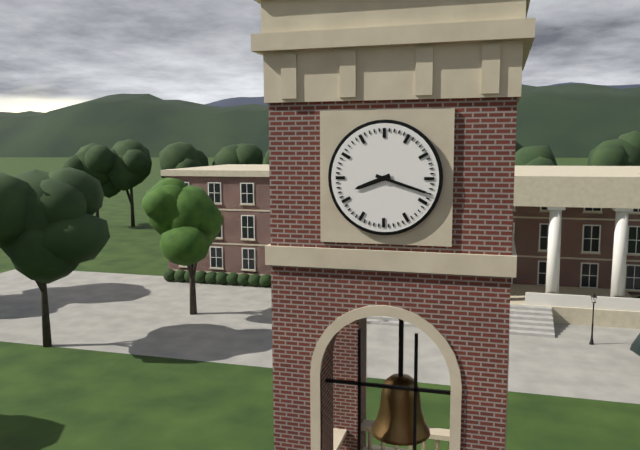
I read {"hour": 8, "minute": 18}
